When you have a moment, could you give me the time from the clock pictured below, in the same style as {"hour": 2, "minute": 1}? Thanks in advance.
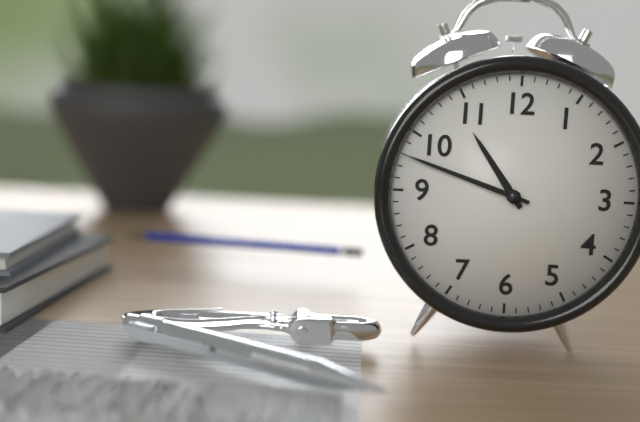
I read {"hour": 10, "minute": 48}
